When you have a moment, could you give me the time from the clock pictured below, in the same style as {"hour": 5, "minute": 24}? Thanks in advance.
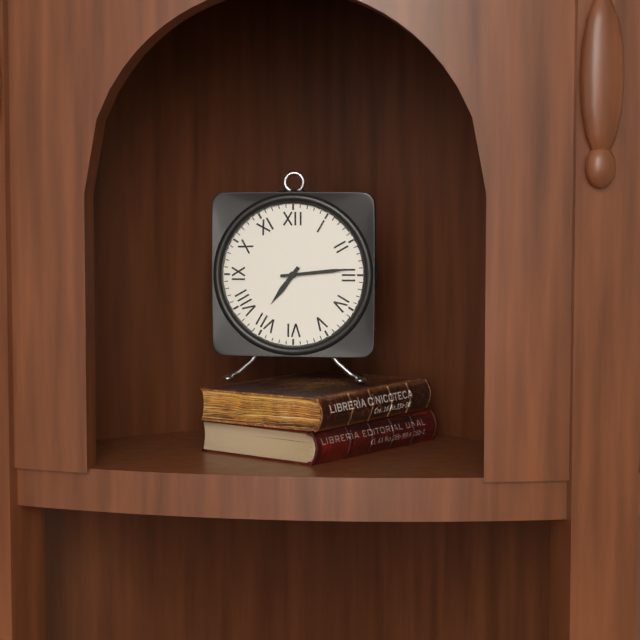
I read {"hour": 7, "minute": 14}
